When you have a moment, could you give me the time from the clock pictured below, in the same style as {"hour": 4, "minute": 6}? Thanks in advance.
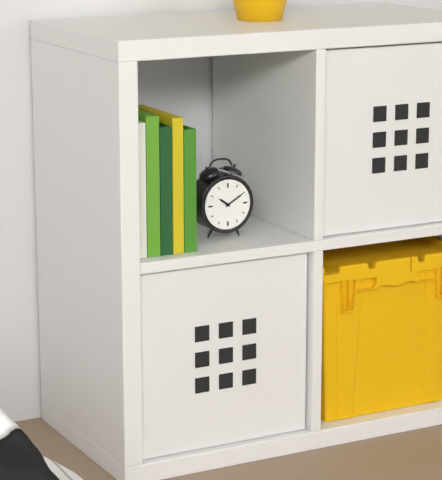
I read {"hour": 10, "minute": 10}
